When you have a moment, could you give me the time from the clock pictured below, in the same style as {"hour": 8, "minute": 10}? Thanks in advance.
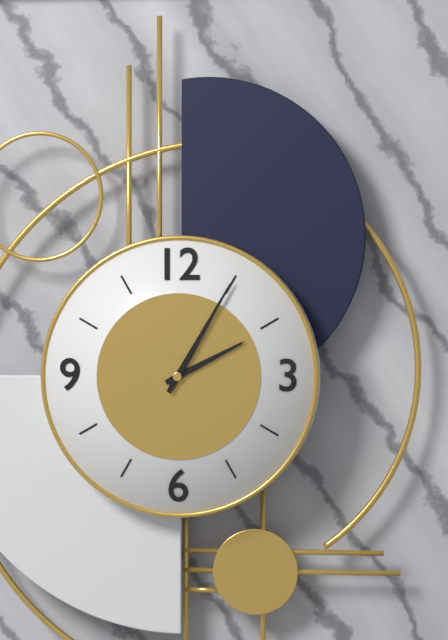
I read {"hour": 2, "minute": 5}
